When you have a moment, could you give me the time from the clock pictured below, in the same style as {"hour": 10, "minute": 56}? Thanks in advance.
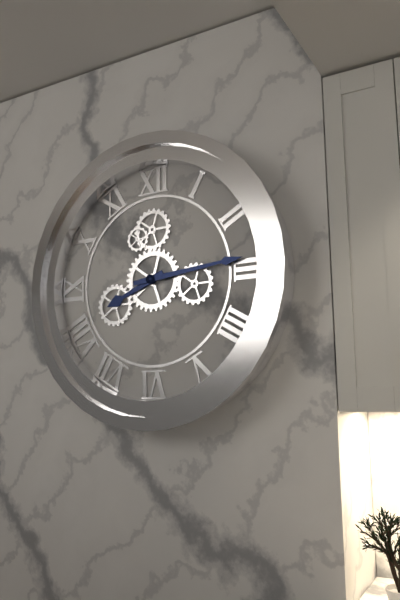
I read {"hour": 8, "minute": 14}
